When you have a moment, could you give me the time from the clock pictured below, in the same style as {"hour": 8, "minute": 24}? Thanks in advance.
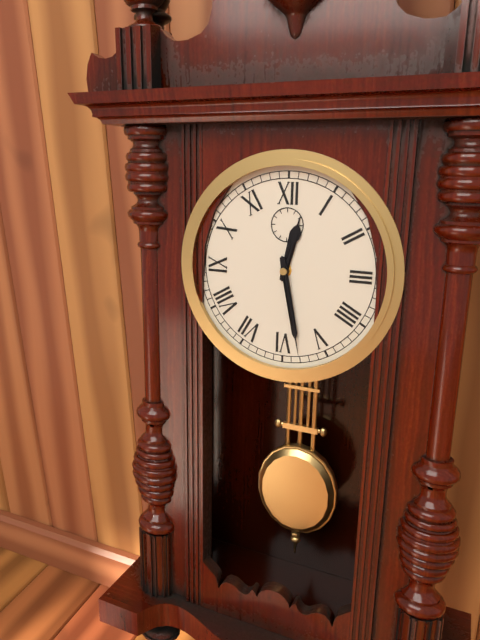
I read {"hour": 12, "minute": 28}
